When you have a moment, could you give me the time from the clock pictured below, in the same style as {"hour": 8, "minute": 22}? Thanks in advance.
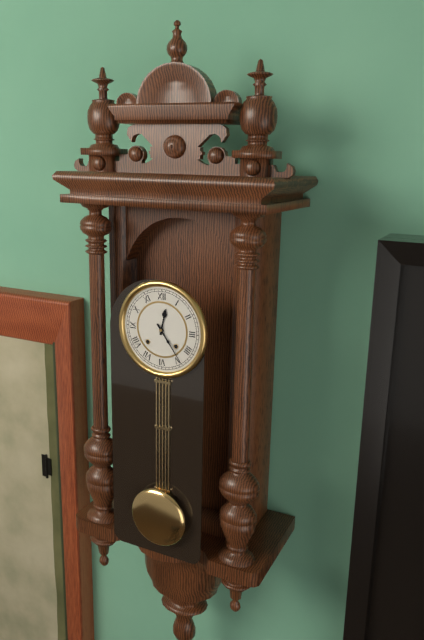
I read {"hour": 12, "minute": 24}
